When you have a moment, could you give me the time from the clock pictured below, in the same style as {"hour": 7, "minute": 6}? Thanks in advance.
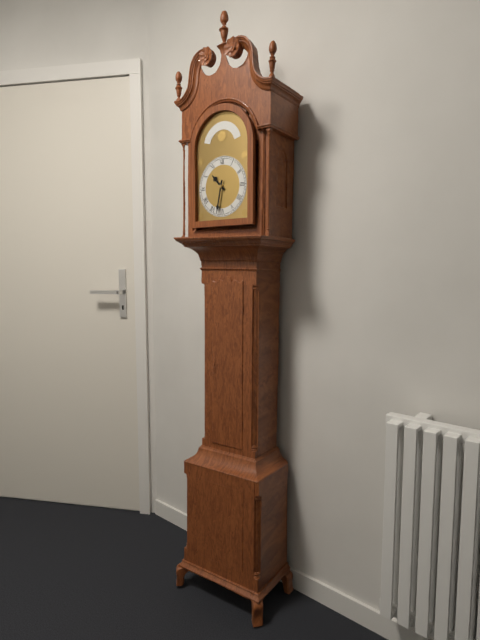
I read {"hour": 10, "minute": 32}
